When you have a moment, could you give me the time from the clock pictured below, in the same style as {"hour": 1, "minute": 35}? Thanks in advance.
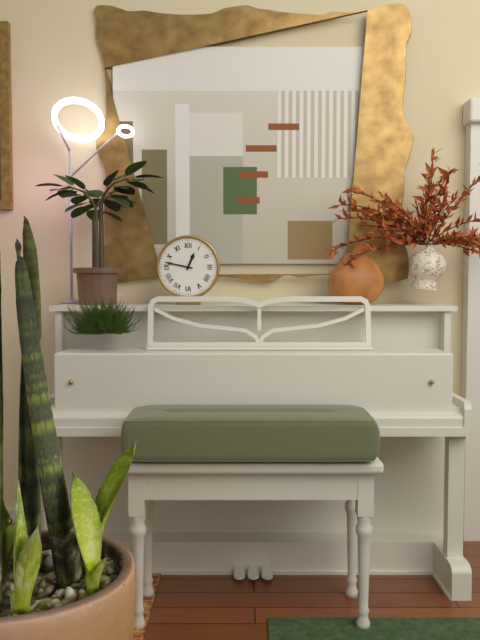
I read {"hour": 12, "minute": 47}
